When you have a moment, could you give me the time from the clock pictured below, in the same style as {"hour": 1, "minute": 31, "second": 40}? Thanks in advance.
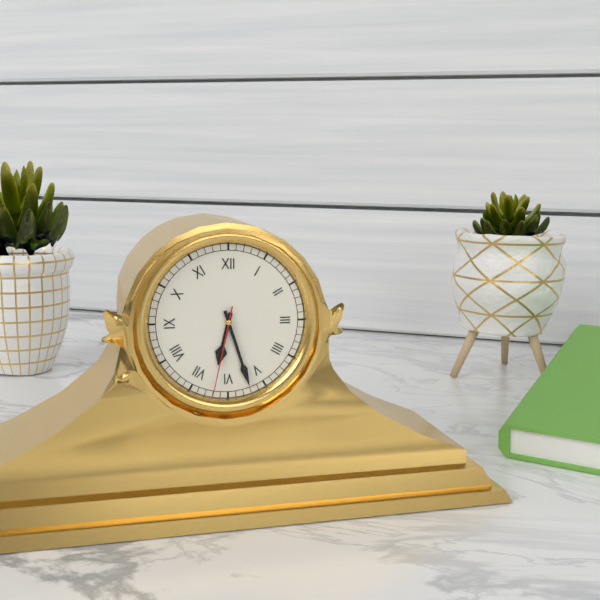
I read {"hour": 6, "minute": 27, "second": 32}
